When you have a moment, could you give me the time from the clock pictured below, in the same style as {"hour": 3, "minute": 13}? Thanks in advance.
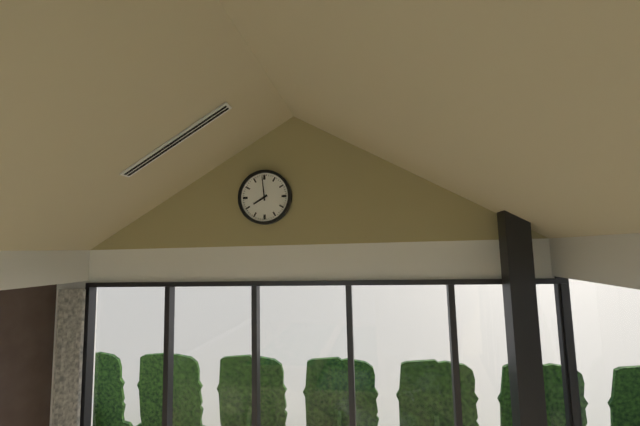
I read {"hour": 7, "minute": 59}
